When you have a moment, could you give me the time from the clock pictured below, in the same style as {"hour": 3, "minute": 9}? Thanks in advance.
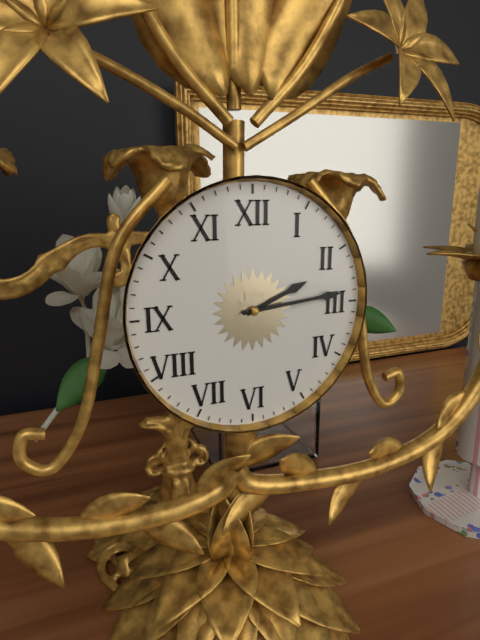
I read {"hour": 2, "minute": 14}
